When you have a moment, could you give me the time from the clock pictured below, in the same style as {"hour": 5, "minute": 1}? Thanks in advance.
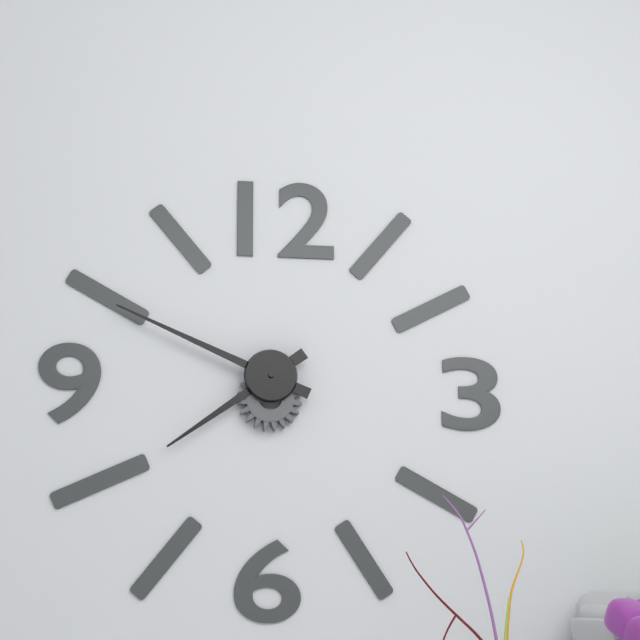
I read {"hour": 7, "minute": 49}
